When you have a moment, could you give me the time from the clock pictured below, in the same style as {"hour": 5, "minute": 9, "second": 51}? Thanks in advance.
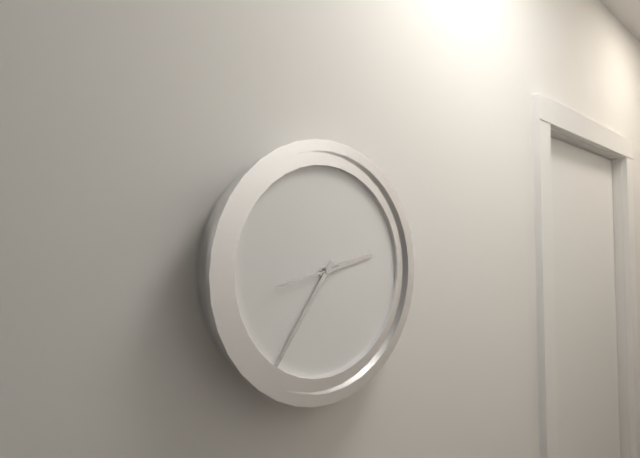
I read {"hour": 2, "minute": 36, "second": 43}
